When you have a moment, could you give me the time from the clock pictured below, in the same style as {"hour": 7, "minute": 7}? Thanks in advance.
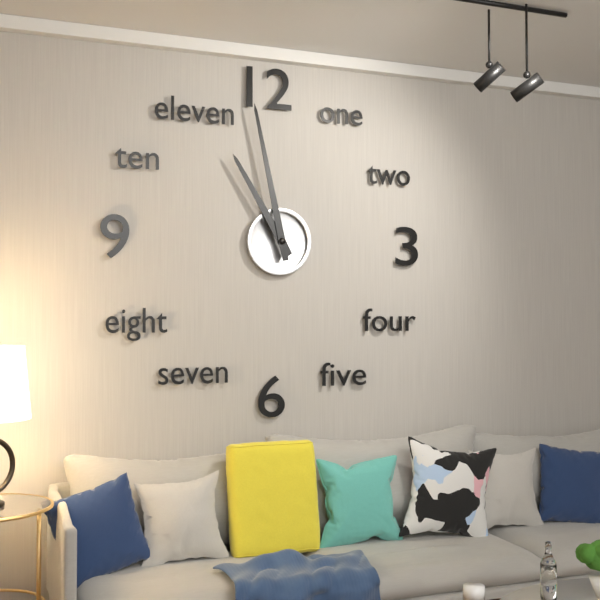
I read {"hour": 10, "minute": 58}
